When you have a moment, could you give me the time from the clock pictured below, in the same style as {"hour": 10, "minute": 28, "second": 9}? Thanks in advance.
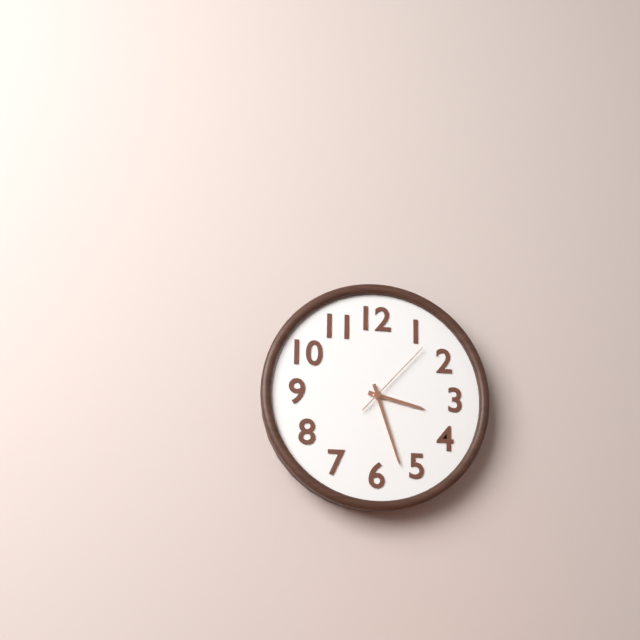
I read {"hour": 3, "minute": 27, "second": 7}
